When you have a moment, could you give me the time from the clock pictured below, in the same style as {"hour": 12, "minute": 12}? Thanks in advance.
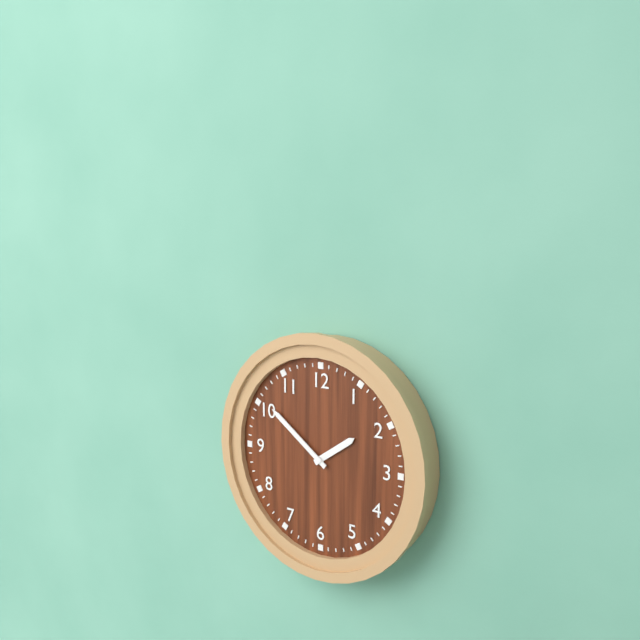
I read {"hour": 1, "minute": 51}
